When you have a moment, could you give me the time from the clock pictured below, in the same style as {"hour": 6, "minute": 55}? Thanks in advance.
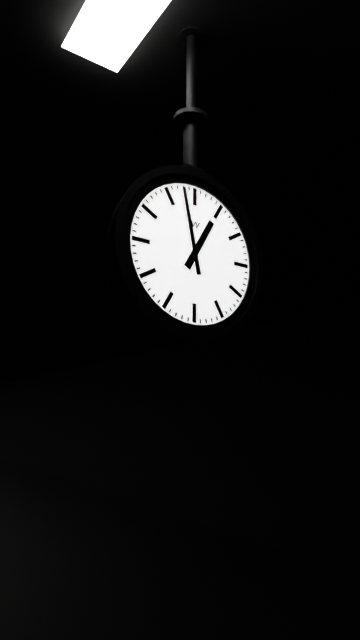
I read {"hour": 12, "minute": 58}
